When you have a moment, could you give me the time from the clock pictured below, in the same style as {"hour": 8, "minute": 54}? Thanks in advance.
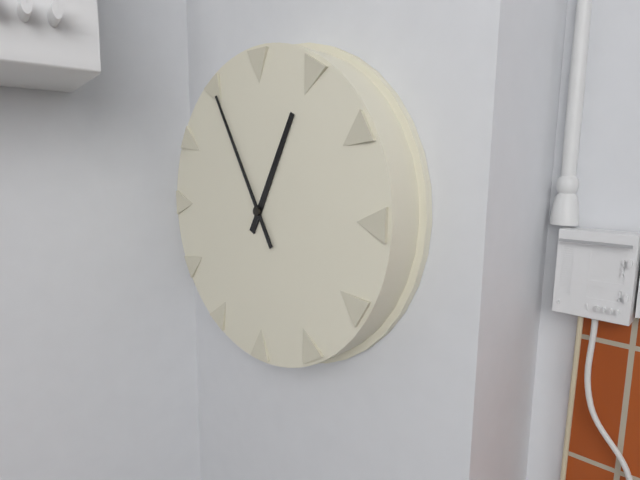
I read {"hour": 12, "minute": 55}
